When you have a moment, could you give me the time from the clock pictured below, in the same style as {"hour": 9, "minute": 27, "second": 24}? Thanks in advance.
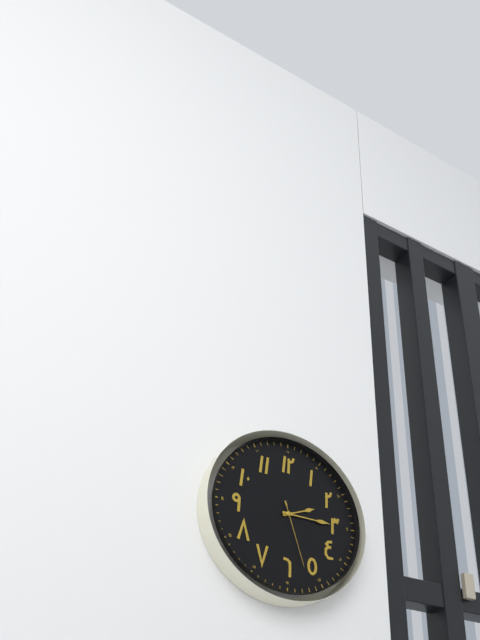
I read {"hour": 2, "minute": 15, "second": 27}
